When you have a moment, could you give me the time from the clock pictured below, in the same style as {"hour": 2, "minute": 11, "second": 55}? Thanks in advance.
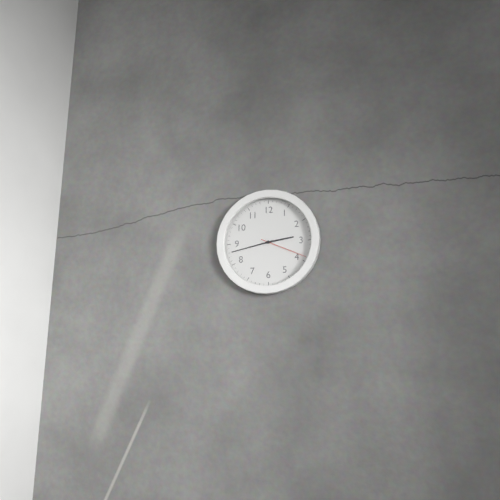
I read {"hour": 2, "minute": 43, "second": 19}
